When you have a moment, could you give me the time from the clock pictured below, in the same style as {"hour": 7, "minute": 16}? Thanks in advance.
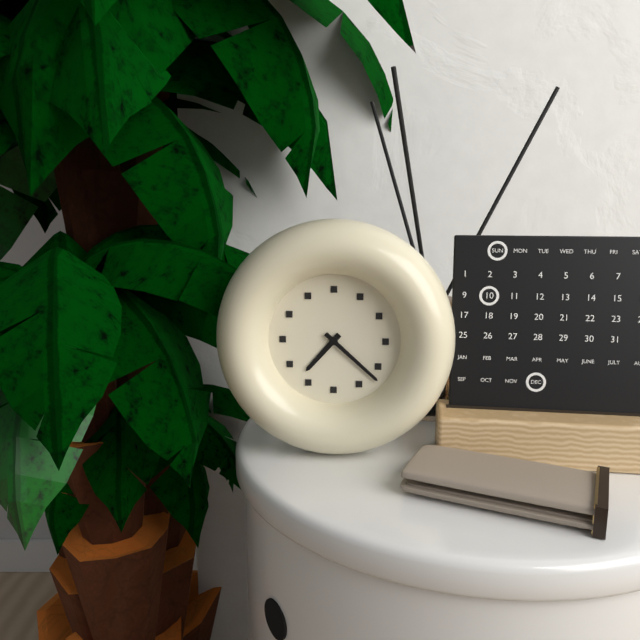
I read {"hour": 7, "minute": 22}
